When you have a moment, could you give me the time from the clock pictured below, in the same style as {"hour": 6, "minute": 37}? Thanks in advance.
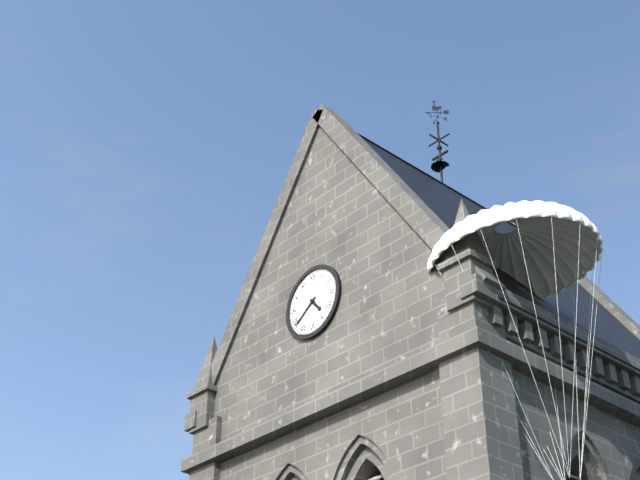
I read {"hour": 4, "minute": 39}
